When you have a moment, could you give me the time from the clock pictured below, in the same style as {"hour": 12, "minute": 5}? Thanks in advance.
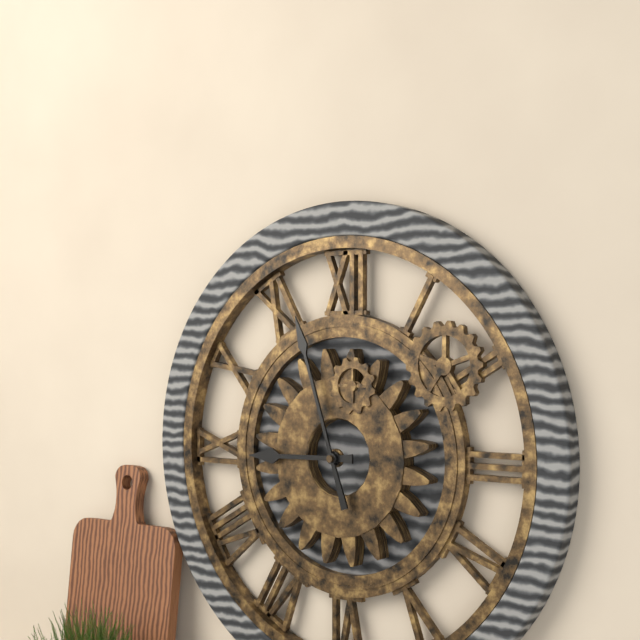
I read {"hour": 8, "minute": 57}
